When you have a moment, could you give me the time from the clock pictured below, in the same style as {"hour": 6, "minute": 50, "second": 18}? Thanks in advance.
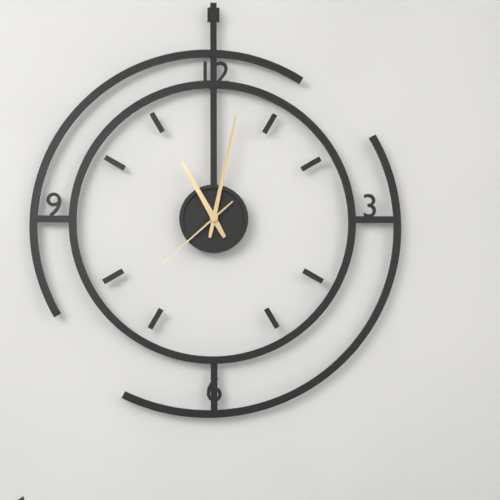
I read {"hour": 11, "minute": 2, "second": 38}
